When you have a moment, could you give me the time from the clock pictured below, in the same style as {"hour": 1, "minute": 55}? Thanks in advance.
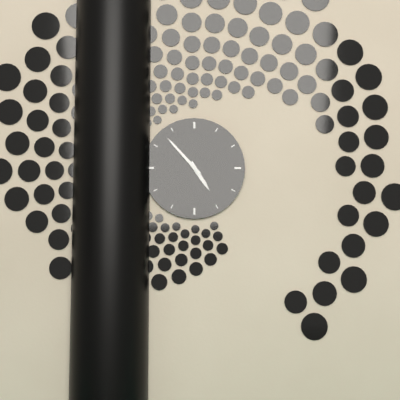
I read {"hour": 4, "minute": 53}
